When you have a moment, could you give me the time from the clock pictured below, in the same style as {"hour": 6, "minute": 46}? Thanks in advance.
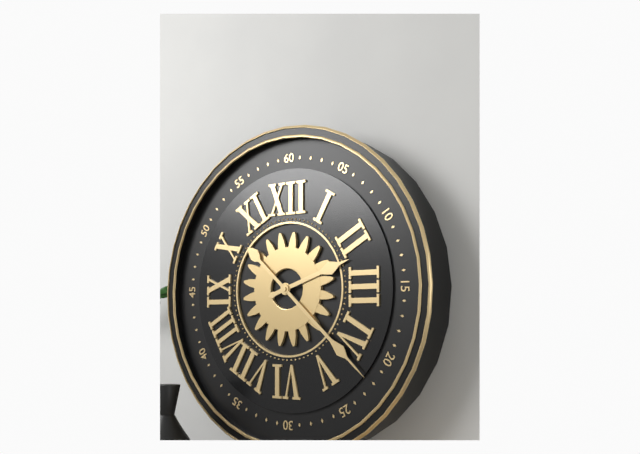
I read {"hour": 2, "minute": 22}
